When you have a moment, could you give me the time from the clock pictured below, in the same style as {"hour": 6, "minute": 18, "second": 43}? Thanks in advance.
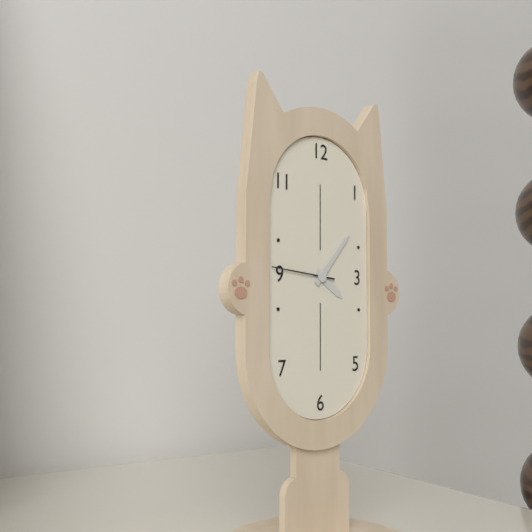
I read {"hour": 4, "minute": 7, "second": 46}
